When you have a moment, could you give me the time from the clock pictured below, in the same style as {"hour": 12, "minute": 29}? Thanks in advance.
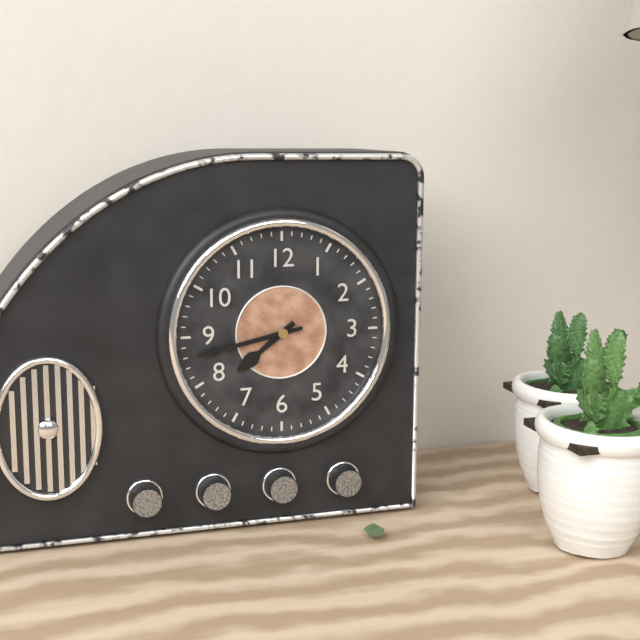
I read {"hour": 7, "minute": 43}
